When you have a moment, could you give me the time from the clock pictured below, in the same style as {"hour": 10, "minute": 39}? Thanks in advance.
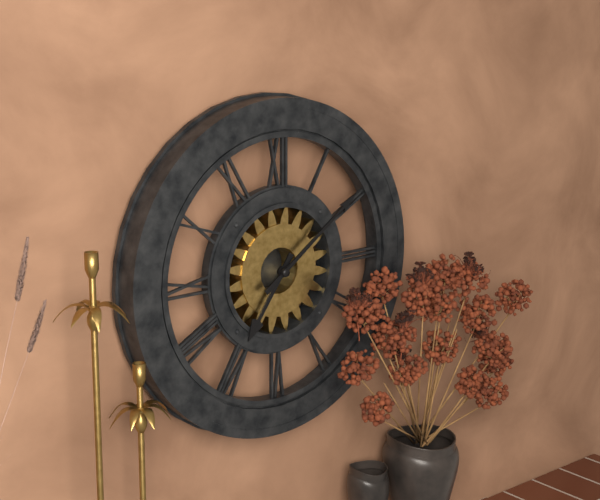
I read {"hour": 7, "minute": 9}
